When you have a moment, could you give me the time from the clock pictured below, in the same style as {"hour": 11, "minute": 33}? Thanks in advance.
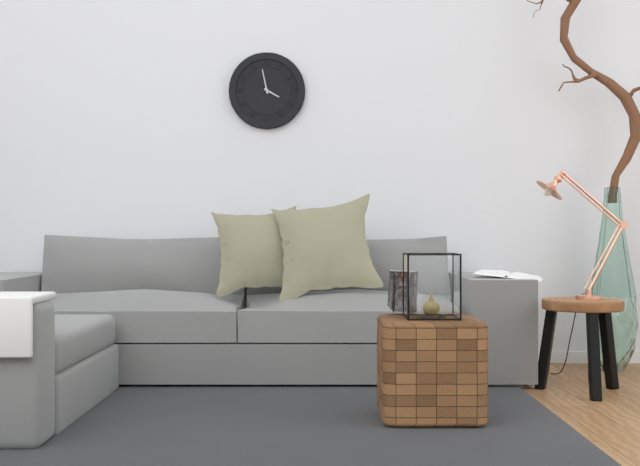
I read {"hour": 3, "minute": 58}
